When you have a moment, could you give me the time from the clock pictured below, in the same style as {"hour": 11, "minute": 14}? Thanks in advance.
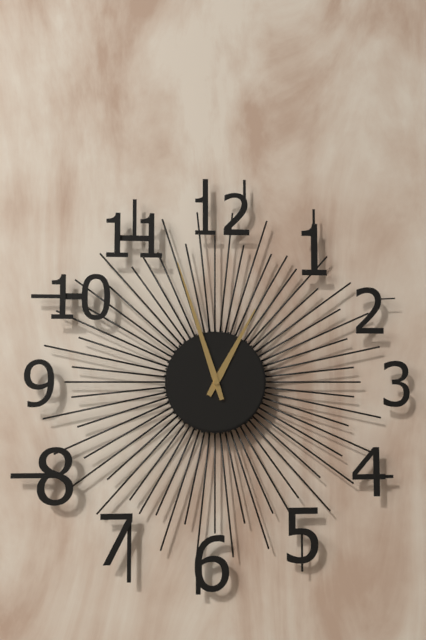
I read {"hour": 12, "minute": 57}
